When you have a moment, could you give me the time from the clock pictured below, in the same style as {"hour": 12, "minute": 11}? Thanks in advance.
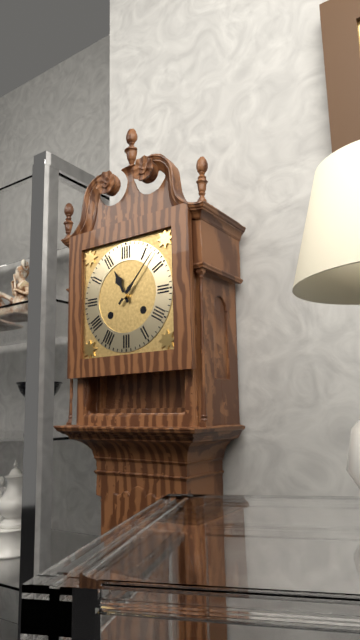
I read {"hour": 11, "minute": 7}
